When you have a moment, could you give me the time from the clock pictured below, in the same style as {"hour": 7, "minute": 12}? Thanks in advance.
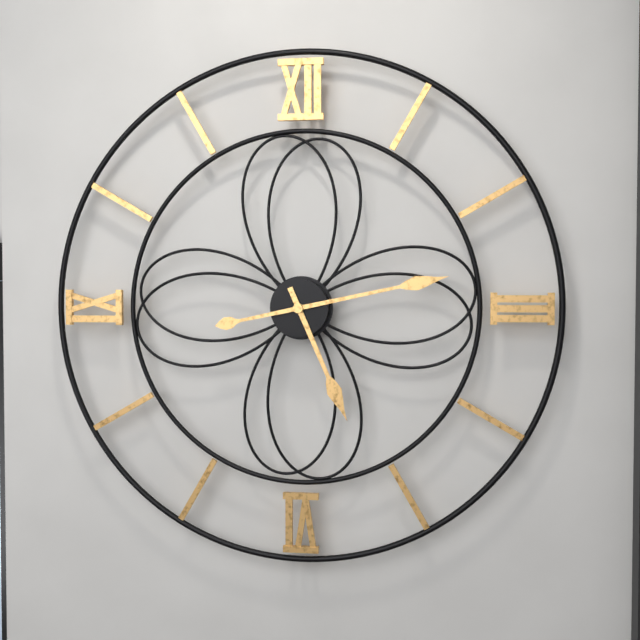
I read {"hour": 5, "minute": 13}
